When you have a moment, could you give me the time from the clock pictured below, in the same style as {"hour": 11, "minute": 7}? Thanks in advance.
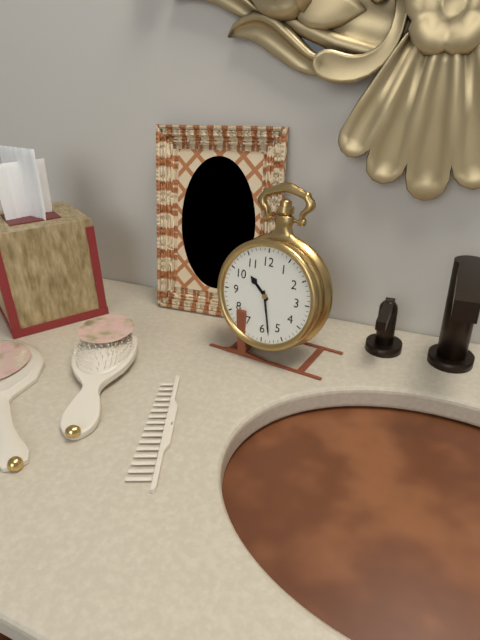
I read {"hour": 10, "minute": 28}
